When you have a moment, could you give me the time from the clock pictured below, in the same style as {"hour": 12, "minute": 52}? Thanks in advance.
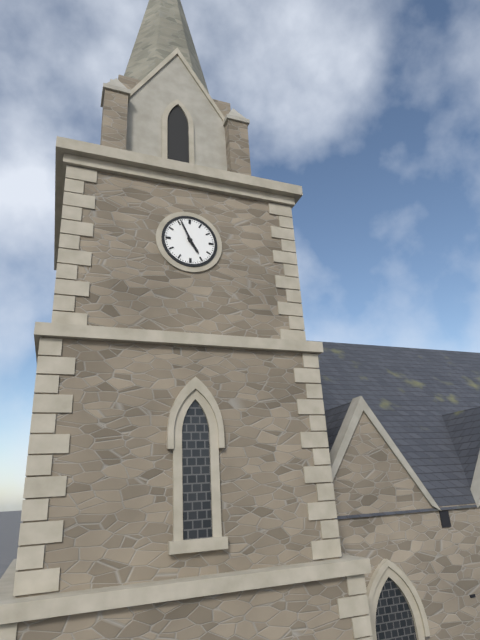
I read {"hour": 4, "minute": 56}
